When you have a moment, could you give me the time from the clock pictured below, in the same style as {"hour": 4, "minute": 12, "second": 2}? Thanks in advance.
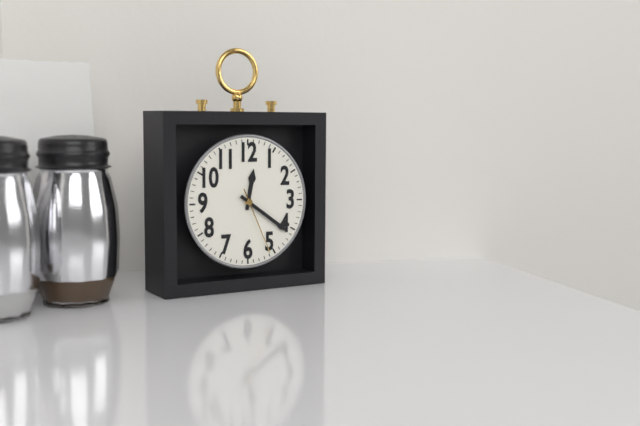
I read {"hour": 12, "minute": 21, "second": 26}
